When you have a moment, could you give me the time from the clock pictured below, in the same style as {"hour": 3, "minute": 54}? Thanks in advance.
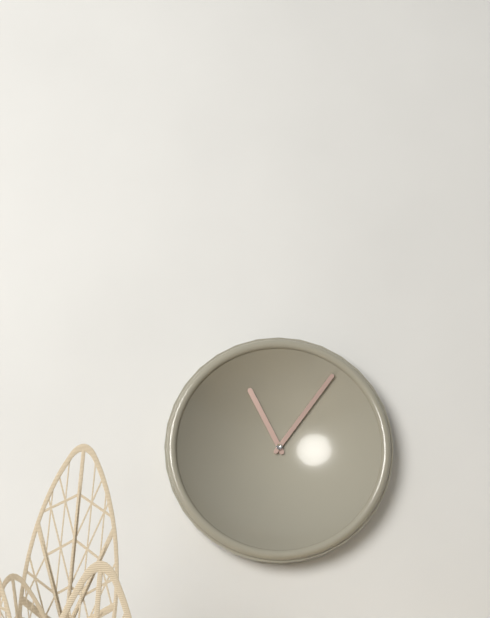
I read {"hour": 11, "minute": 6}
